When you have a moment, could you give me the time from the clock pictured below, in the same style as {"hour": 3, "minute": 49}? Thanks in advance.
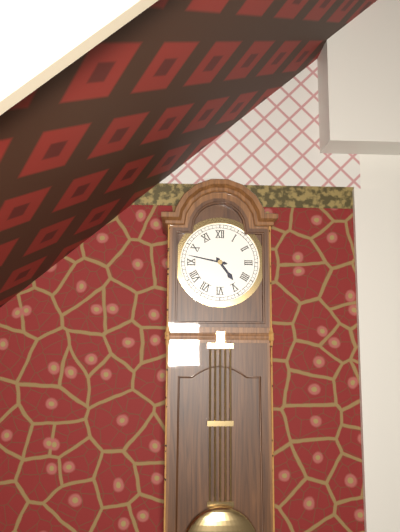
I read {"hour": 4, "minute": 47}
